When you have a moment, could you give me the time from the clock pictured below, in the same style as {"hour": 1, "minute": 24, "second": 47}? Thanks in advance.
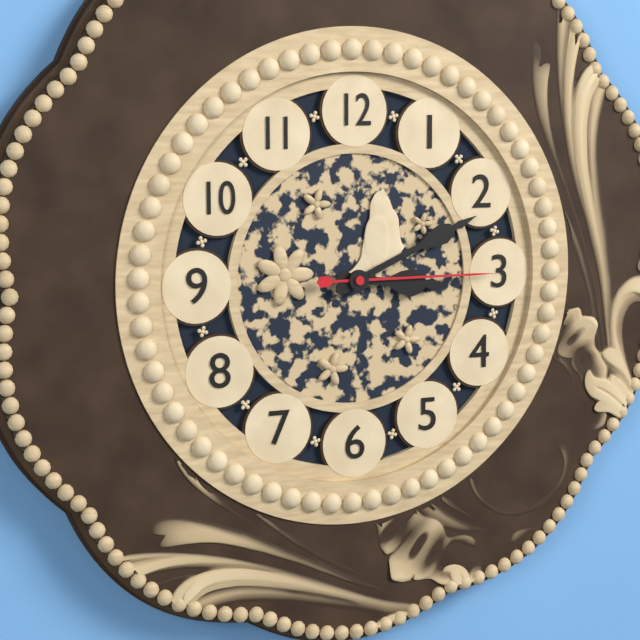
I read {"hour": 3, "minute": 11, "second": 15}
